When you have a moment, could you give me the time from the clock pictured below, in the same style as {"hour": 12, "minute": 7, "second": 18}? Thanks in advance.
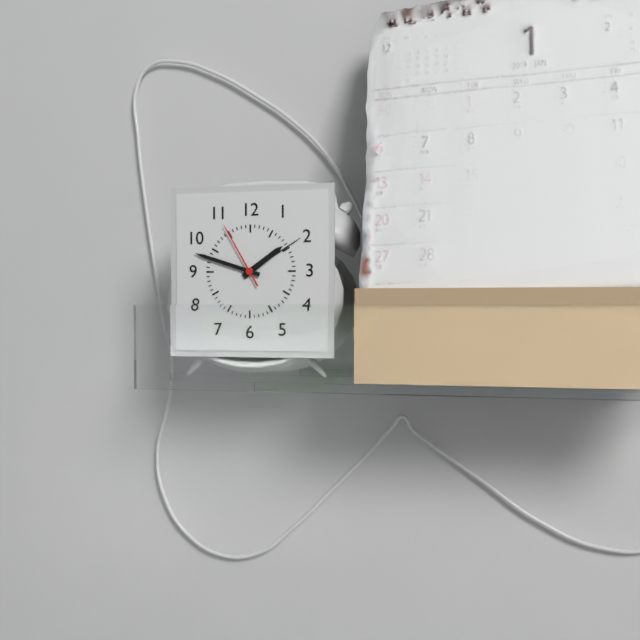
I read {"hour": 1, "minute": 48, "second": 55}
